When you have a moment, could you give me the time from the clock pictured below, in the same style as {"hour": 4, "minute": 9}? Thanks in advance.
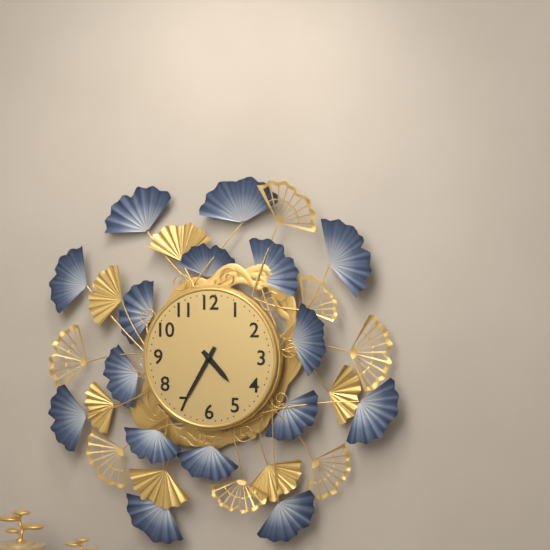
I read {"hour": 4, "minute": 35}
